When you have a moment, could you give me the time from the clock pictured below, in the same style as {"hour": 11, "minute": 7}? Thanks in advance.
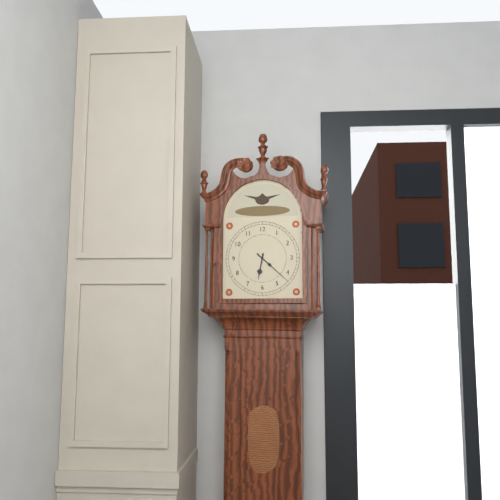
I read {"hour": 6, "minute": 22}
